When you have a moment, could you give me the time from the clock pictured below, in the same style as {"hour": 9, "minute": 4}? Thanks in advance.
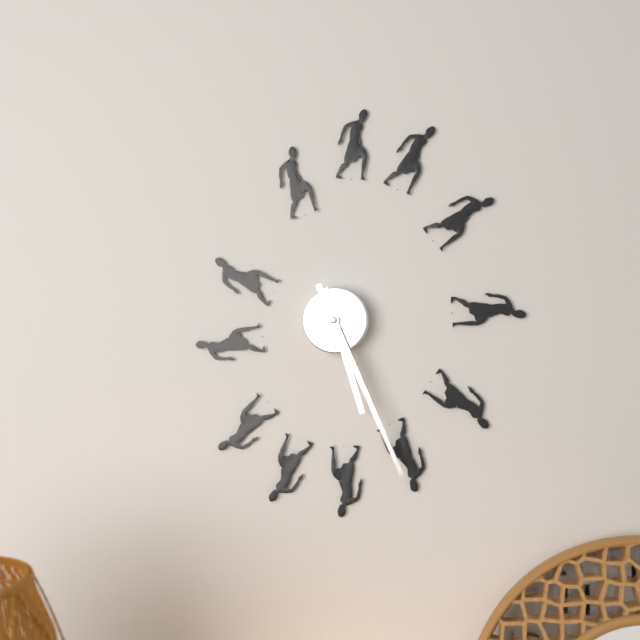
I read {"hour": 5, "minute": 26}
